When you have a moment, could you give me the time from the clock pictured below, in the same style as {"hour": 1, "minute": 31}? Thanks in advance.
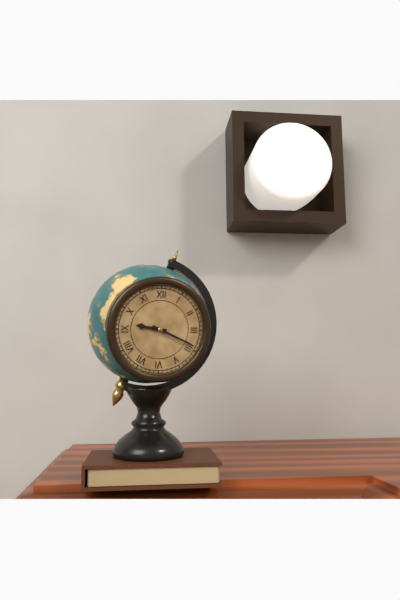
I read {"hour": 9, "minute": 19}
